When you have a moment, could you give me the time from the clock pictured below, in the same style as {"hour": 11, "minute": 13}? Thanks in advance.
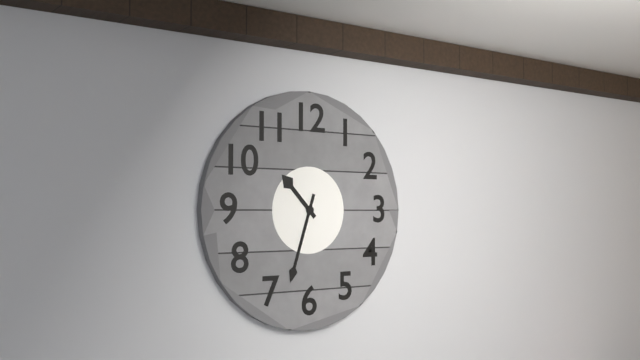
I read {"hour": 10, "minute": 33}
